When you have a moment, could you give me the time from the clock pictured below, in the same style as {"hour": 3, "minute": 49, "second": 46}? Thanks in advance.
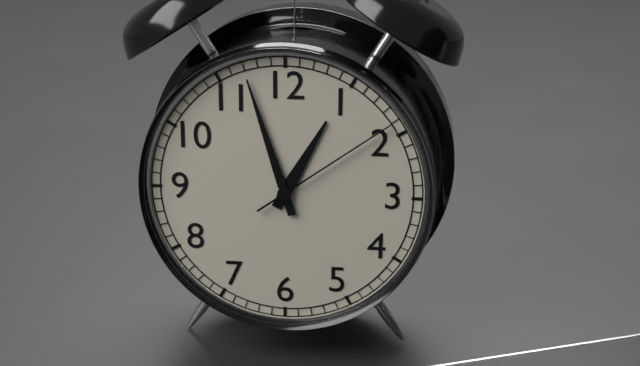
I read {"hour": 12, "minute": 57, "second": 9}
